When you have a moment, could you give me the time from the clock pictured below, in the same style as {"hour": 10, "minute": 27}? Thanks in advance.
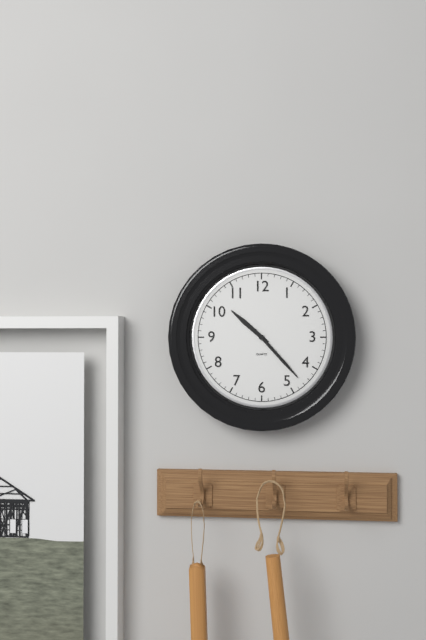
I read {"hour": 10, "minute": 23}
